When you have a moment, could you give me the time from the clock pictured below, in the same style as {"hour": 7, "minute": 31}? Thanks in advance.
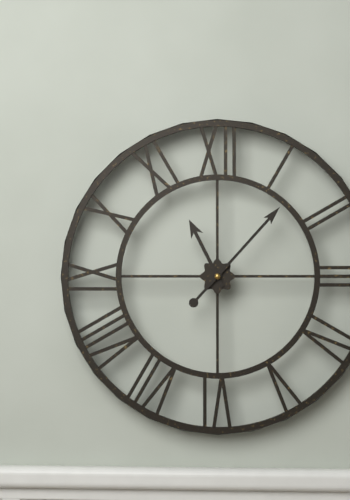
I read {"hour": 11, "minute": 7}
